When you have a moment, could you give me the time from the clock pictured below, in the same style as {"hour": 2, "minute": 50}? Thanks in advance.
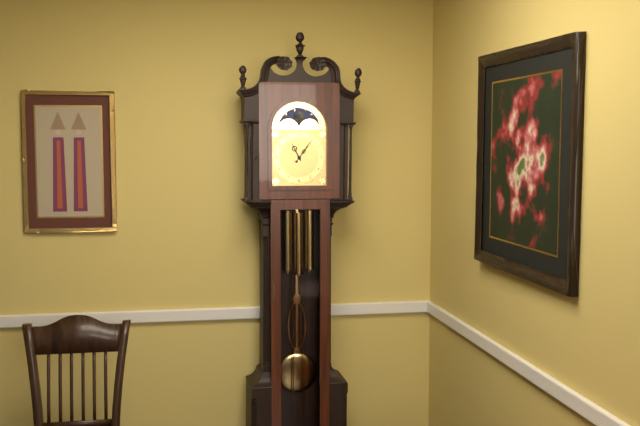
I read {"hour": 11, "minute": 6}
